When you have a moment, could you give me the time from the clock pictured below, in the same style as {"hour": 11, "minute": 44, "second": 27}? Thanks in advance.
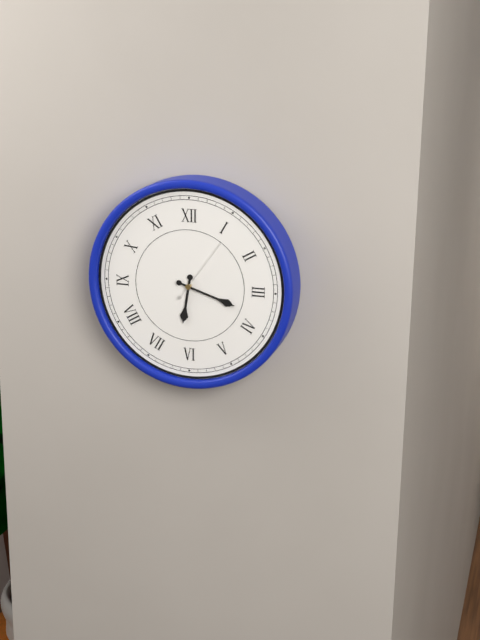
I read {"hour": 6, "minute": 18, "second": 6}
